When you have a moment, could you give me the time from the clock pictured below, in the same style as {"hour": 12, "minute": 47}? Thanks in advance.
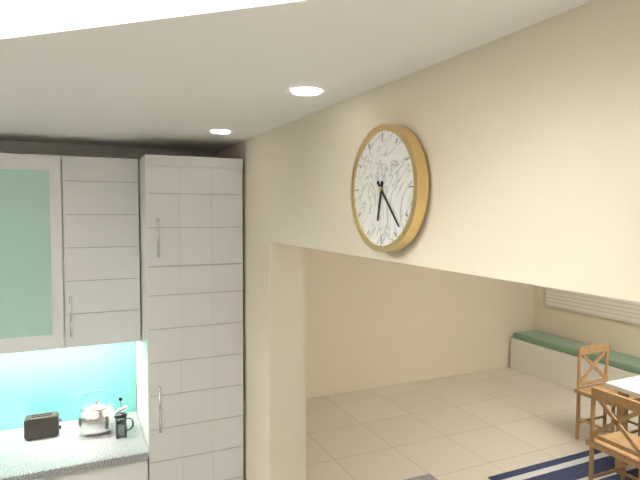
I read {"hour": 6, "minute": 23}
